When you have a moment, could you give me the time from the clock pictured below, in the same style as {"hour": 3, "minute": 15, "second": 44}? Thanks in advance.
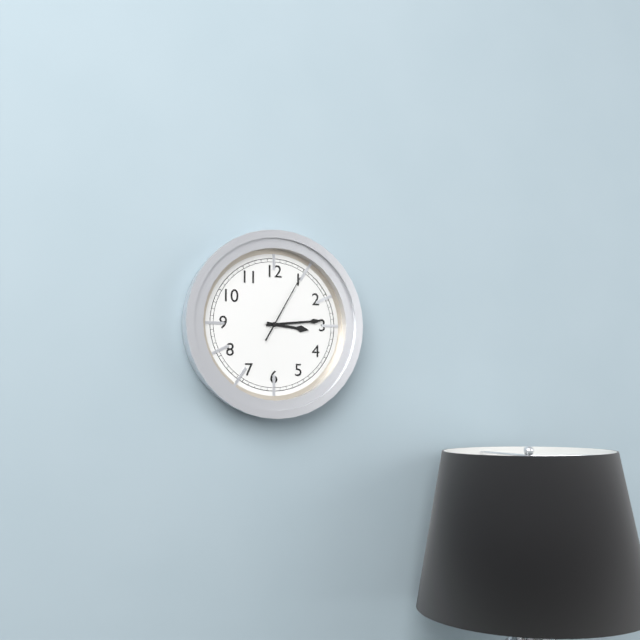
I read {"hour": 3, "minute": 14, "second": 5}
